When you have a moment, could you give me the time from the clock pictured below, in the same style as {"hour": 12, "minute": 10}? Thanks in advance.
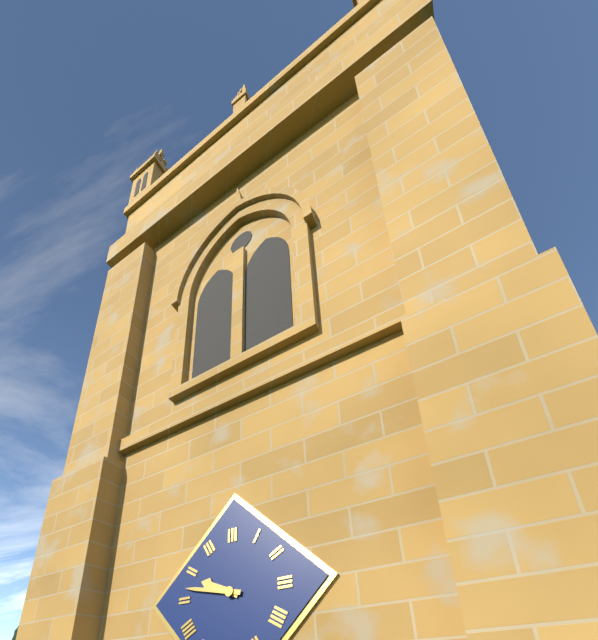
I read {"hour": 9, "minute": 47}
